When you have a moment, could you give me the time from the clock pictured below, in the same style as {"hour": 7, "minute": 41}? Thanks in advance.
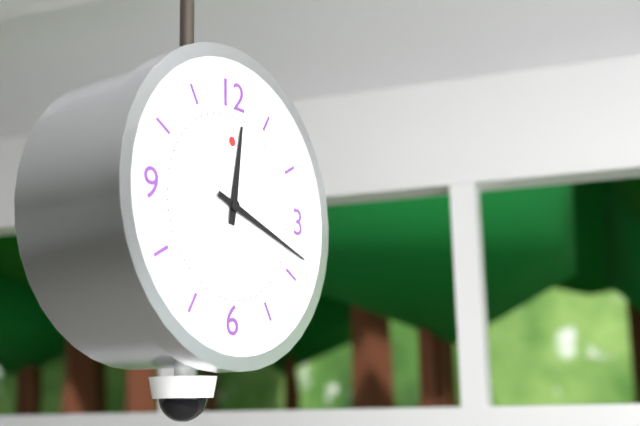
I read {"hour": 12, "minute": 18}
